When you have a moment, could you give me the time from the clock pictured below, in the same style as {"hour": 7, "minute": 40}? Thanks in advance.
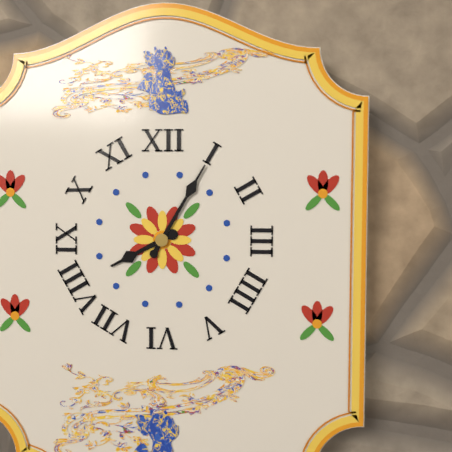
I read {"hour": 8, "minute": 5}
